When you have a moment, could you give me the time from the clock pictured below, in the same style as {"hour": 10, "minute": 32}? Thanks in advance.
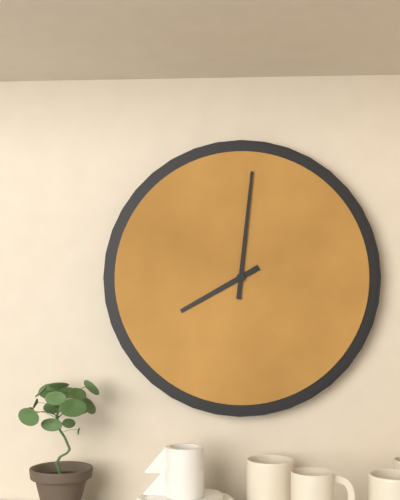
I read {"hour": 8, "minute": 1}
